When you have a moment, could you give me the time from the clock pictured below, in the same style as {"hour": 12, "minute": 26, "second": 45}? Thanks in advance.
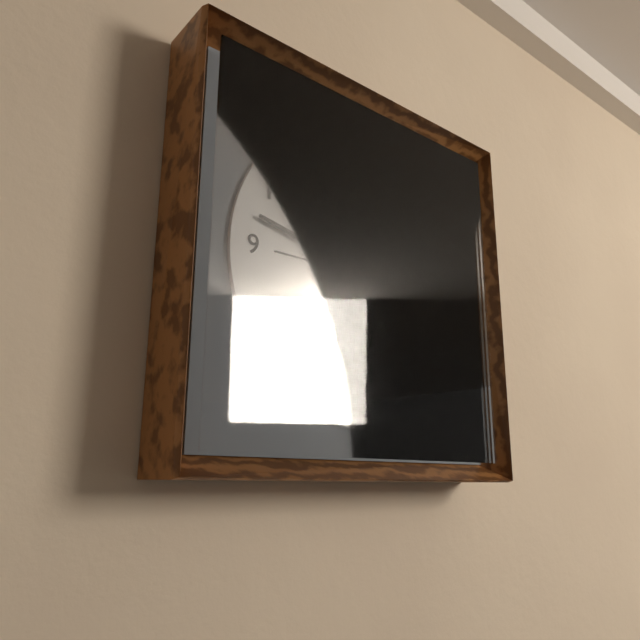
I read {"hour": 9, "minute": 47, "second": 59}
